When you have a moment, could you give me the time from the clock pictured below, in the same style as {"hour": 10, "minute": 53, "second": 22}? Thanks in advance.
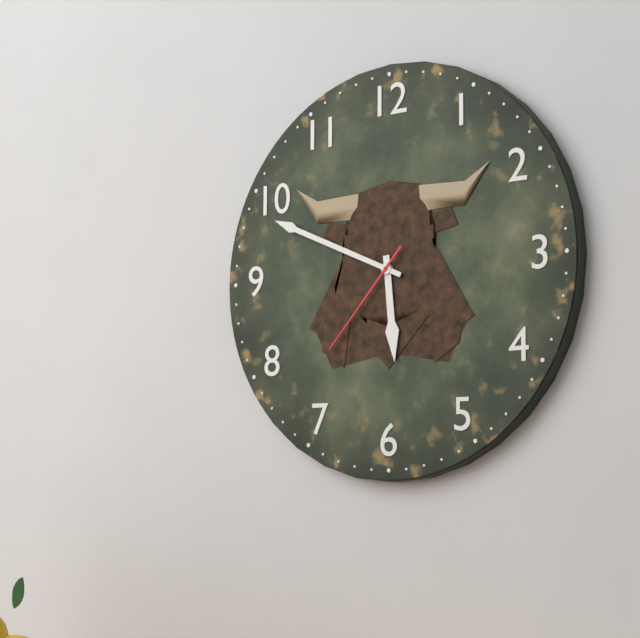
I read {"hour": 5, "minute": 49, "second": 37}
